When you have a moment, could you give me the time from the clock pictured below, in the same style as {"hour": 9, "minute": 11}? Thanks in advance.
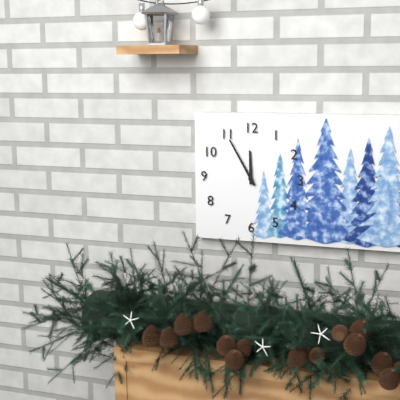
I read {"hour": 11, "minute": 55}
